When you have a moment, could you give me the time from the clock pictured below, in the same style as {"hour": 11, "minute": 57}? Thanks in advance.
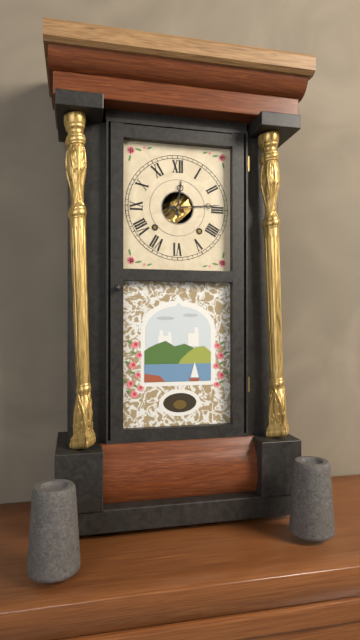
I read {"hour": 12, "minute": 14}
